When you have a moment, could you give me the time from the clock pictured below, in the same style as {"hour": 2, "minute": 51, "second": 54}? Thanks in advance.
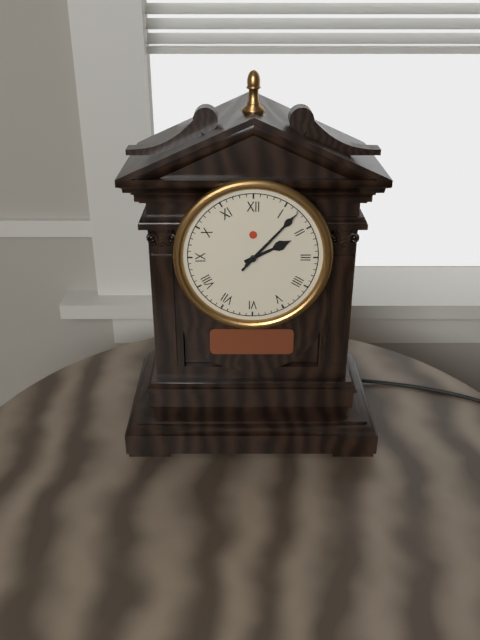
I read {"hour": 2, "minute": 7, "second": 7}
